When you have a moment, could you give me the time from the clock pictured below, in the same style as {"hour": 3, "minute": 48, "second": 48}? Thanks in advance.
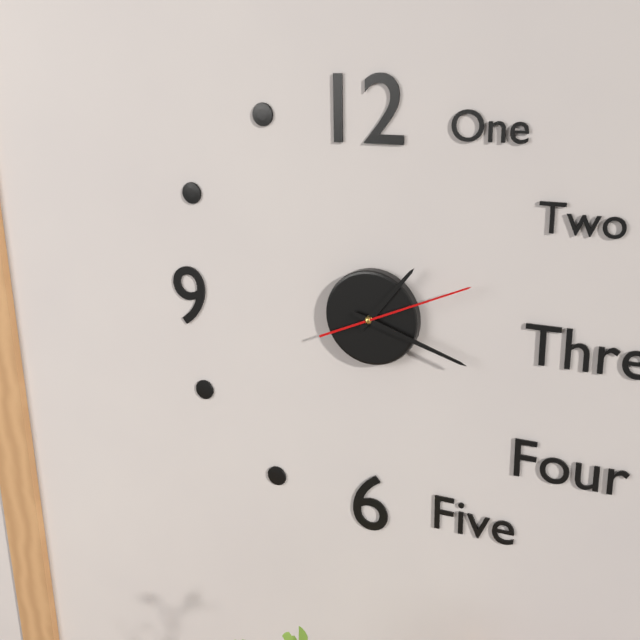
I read {"hour": 1, "minute": 18, "second": 11}
